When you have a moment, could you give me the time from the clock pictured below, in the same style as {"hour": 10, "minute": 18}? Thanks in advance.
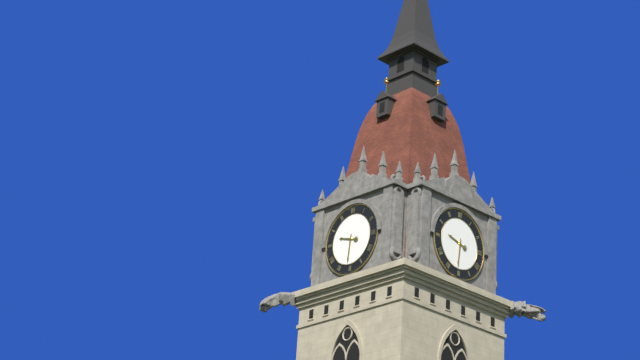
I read {"hour": 9, "minute": 31}
